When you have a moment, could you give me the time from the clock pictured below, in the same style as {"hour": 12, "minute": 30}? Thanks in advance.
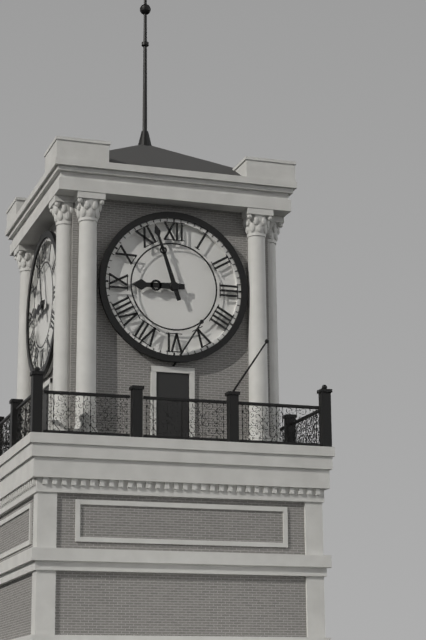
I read {"hour": 8, "minute": 57}
